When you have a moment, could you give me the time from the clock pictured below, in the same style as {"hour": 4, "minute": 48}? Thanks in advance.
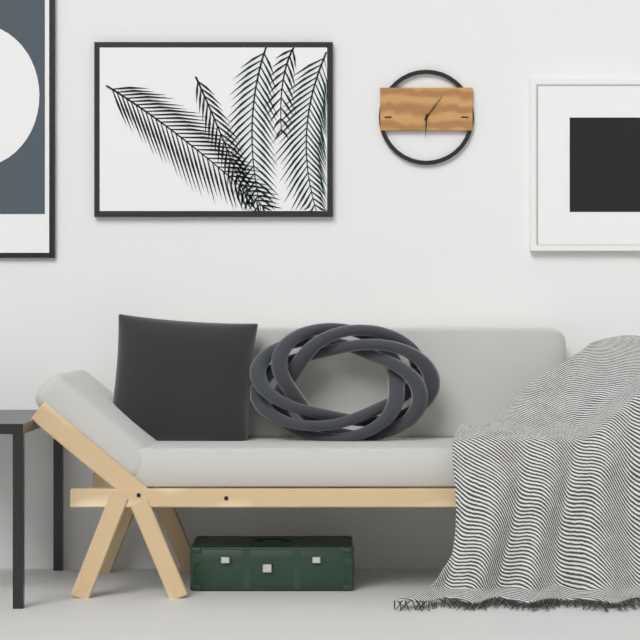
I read {"hour": 6, "minute": 6}
